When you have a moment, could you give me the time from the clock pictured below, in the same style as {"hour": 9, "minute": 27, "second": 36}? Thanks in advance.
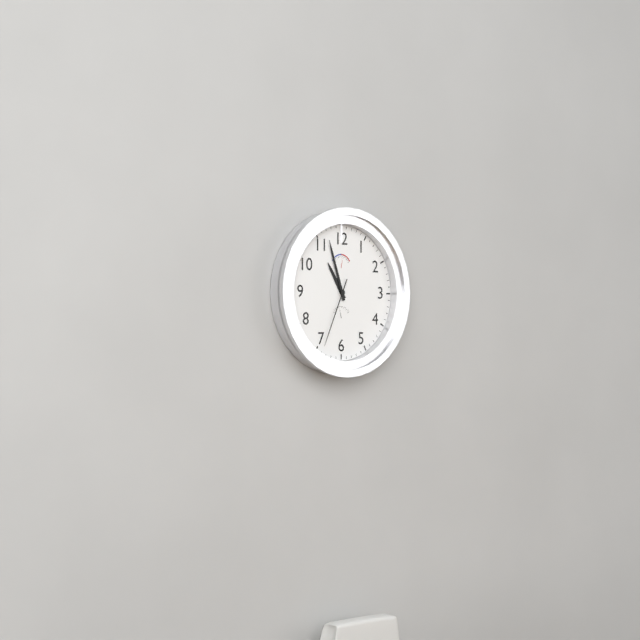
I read {"hour": 10, "minute": 57, "second": 34}
